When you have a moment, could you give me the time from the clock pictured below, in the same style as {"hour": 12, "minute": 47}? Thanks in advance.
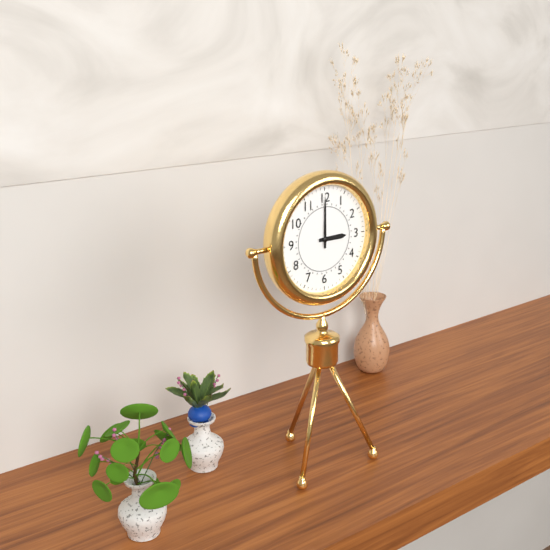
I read {"hour": 3, "minute": 0}
